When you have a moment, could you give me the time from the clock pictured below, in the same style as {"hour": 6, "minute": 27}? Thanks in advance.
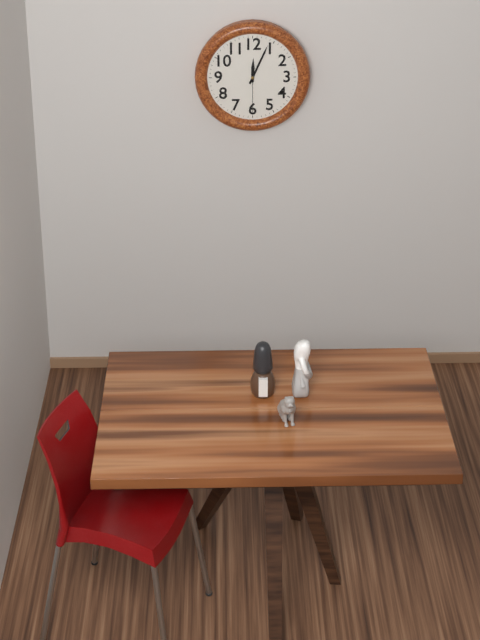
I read {"hour": 12, "minute": 4}
